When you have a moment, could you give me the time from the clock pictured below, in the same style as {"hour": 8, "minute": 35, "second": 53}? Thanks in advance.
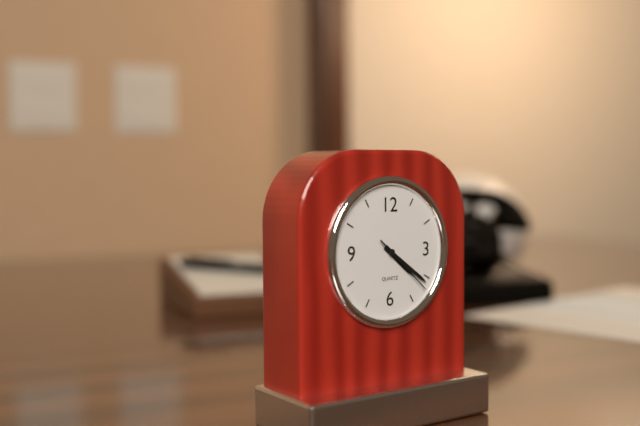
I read {"hour": 4, "minute": 21, "second": 22}
